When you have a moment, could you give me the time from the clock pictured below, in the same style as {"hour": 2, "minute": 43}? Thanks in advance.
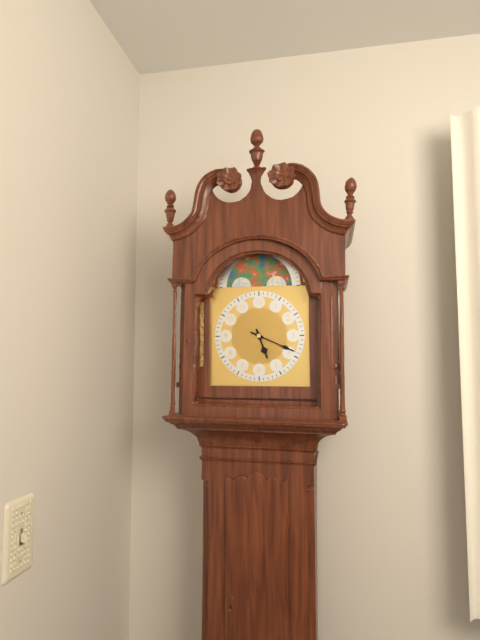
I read {"hour": 5, "minute": 19}
